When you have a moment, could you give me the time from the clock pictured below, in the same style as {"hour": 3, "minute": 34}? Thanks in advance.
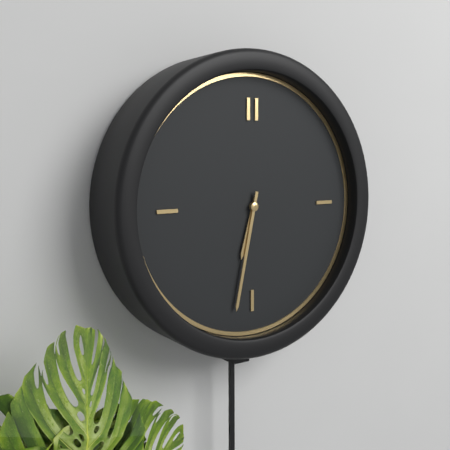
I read {"hour": 6, "minute": 32}
